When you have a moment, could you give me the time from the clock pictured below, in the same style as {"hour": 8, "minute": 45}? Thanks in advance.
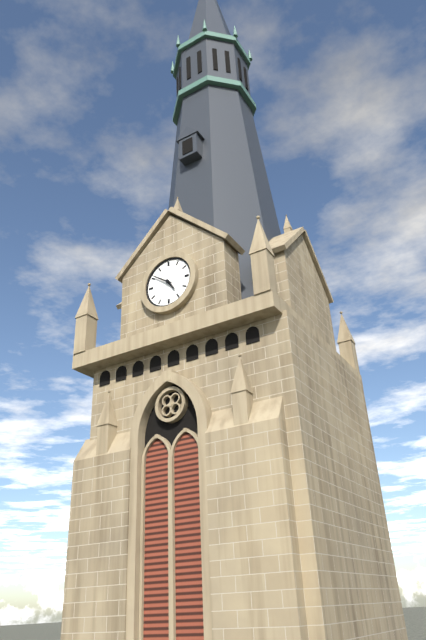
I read {"hour": 4, "minute": 51}
